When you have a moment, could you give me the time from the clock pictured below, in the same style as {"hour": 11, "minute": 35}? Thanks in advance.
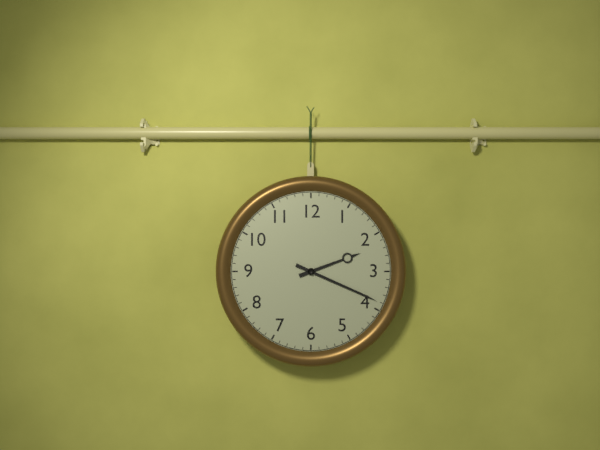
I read {"hour": 2, "minute": 19}
